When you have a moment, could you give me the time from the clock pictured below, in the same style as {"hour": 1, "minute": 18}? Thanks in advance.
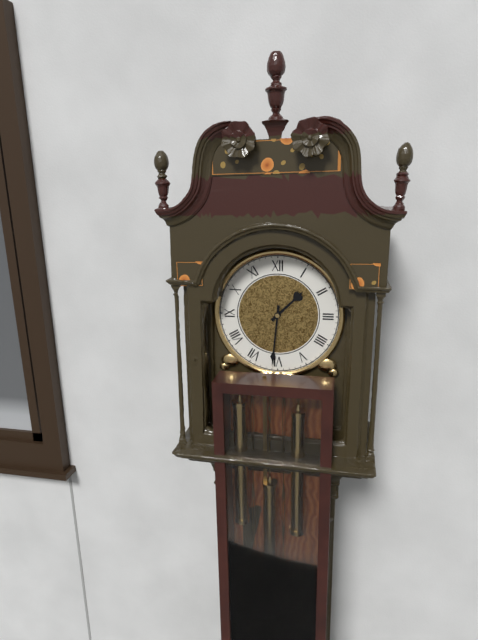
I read {"hour": 1, "minute": 31}
